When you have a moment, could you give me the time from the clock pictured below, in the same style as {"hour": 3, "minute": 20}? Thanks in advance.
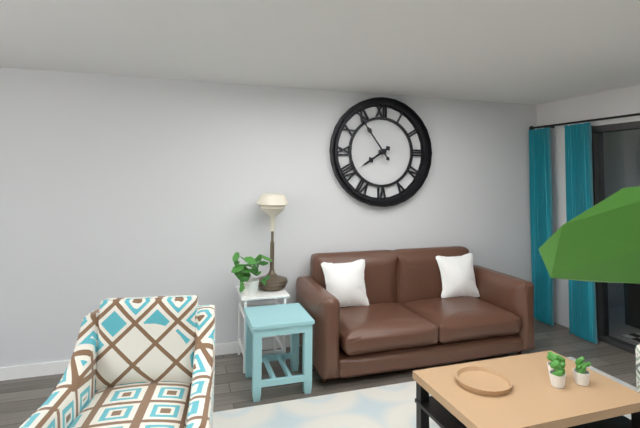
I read {"hour": 7, "minute": 54}
